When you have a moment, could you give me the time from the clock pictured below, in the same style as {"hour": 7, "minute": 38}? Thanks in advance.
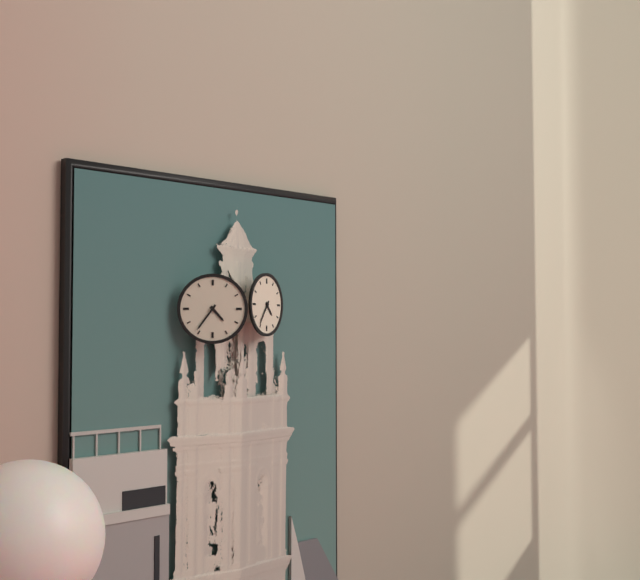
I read {"hour": 4, "minute": 36}
